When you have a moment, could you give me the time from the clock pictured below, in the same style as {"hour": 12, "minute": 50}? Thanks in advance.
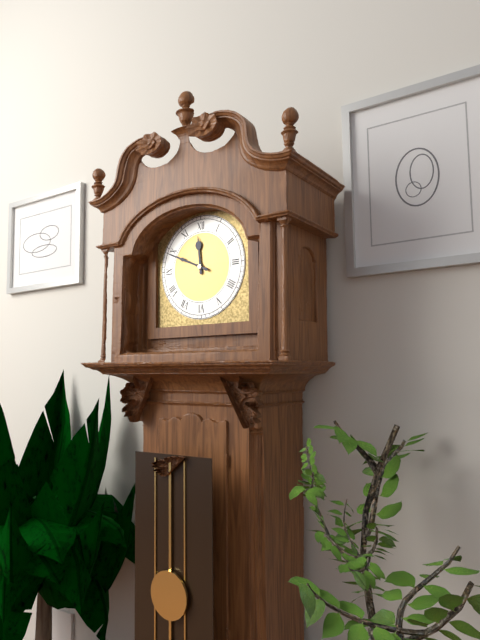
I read {"hour": 11, "minute": 49}
